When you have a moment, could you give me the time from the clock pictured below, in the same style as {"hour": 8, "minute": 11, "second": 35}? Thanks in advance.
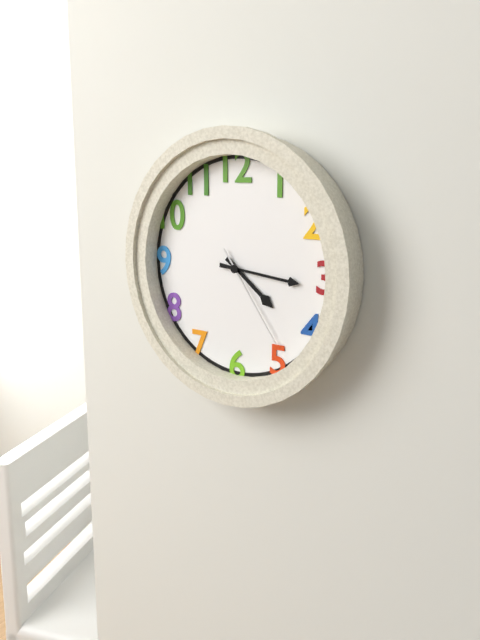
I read {"hour": 4, "minute": 16, "second": 24}
